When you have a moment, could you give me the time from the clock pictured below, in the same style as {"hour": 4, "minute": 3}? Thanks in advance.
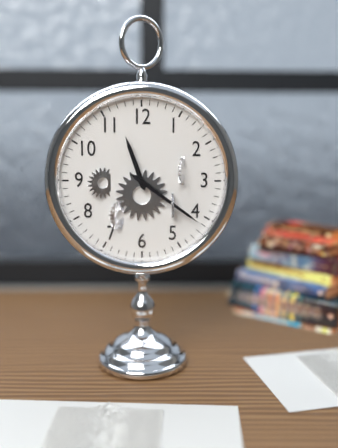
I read {"hour": 11, "minute": 21}
